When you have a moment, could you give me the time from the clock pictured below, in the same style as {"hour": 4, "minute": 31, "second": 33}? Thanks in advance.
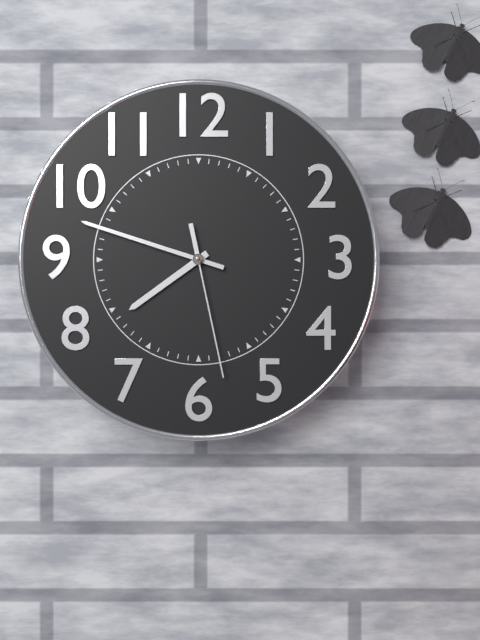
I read {"hour": 7, "minute": 48, "second": 28}
